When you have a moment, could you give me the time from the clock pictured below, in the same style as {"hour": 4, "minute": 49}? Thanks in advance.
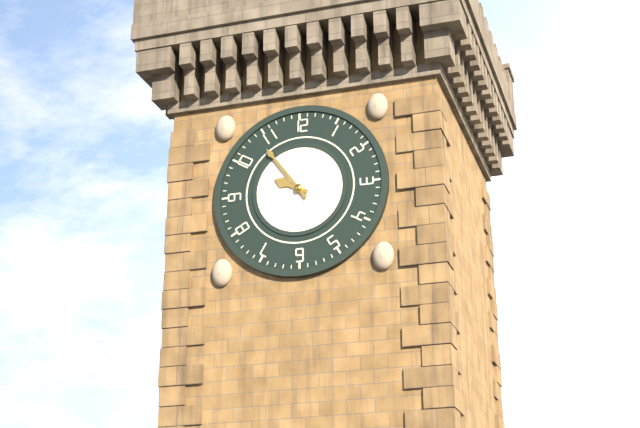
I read {"hour": 9, "minute": 54}
